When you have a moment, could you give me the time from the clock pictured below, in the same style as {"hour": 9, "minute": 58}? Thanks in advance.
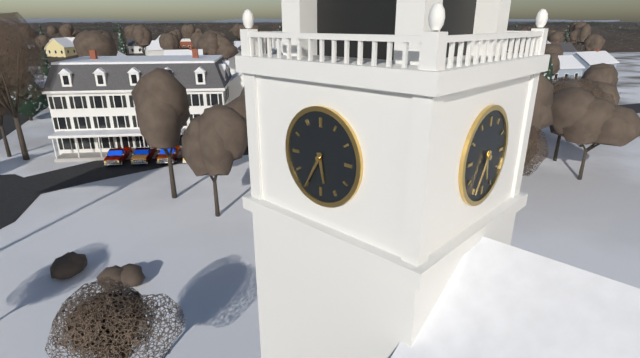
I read {"hour": 5, "minute": 35}
